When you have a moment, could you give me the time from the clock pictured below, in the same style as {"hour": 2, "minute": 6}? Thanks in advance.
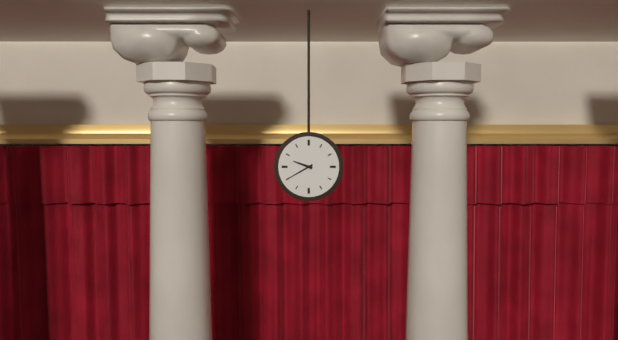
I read {"hour": 9, "minute": 40}
